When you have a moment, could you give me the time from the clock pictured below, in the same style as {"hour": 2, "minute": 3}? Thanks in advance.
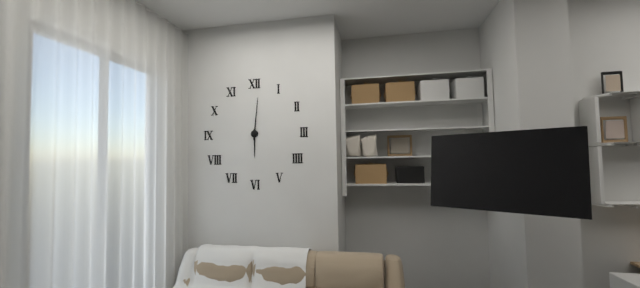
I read {"hour": 6, "minute": 1}
